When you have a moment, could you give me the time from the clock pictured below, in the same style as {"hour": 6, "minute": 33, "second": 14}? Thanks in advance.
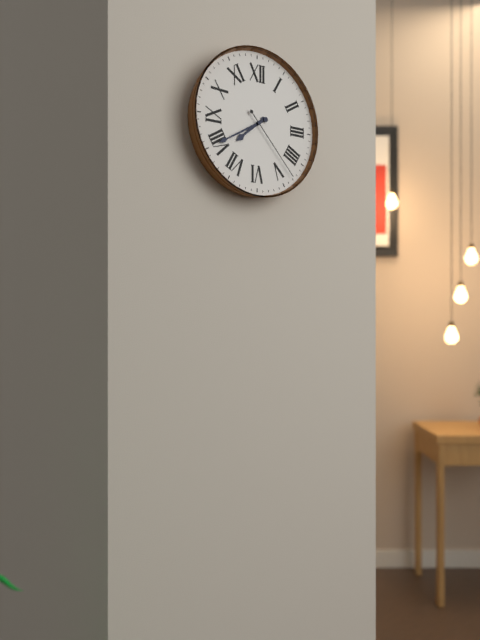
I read {"hour": 7, "minute": 40, "second": 23}
